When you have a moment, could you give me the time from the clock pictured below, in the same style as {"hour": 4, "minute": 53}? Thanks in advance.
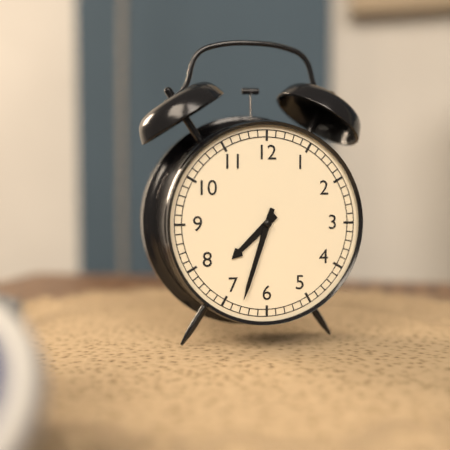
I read {"hour": 7, "minute": 33}
